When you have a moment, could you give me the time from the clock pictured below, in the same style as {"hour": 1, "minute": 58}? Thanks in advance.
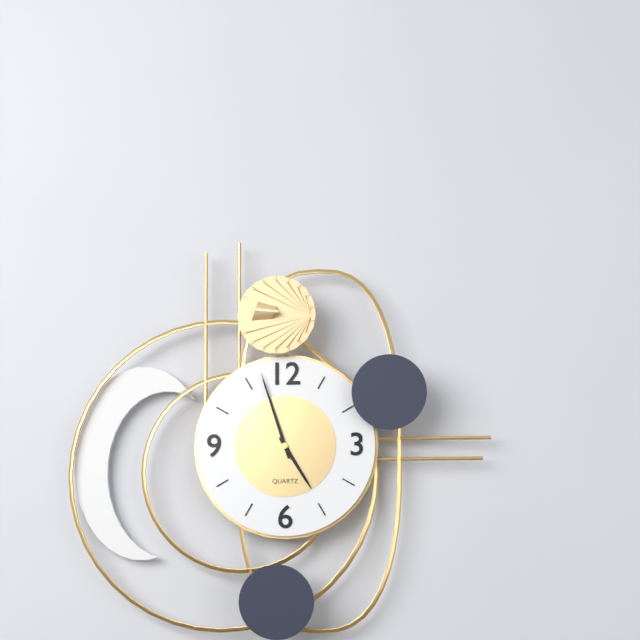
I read {"hour": 4, "minute": 57}
